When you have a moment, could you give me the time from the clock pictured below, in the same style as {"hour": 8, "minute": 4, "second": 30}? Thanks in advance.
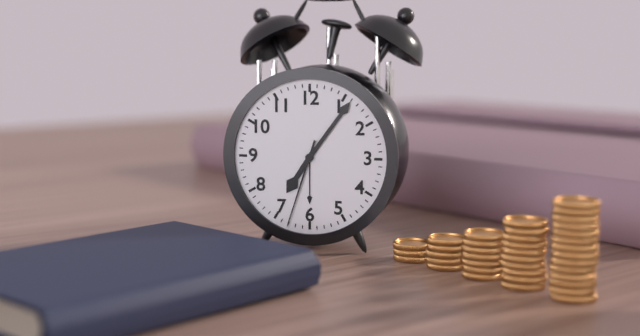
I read {"hour": 7, "minute": 6, "second": 33}
